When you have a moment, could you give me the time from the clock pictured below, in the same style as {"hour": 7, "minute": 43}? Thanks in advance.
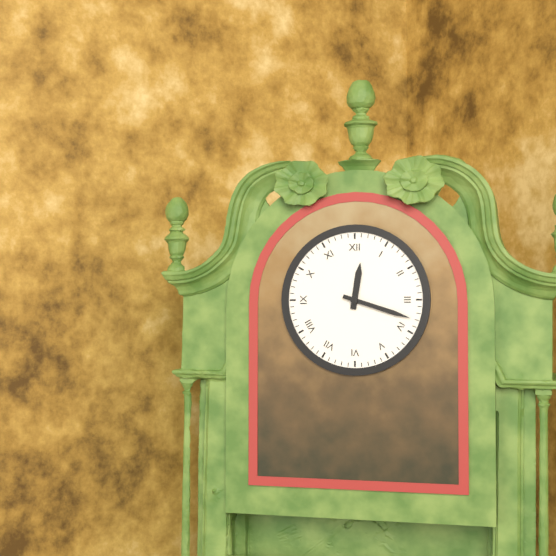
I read {"hour": 12, "minute": 18}
